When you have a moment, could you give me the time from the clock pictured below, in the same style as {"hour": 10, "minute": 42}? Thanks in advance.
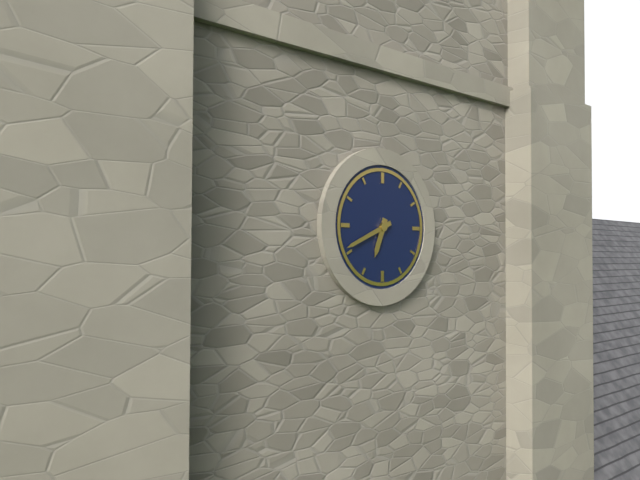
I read {"hour": 6, "minute": 41}
